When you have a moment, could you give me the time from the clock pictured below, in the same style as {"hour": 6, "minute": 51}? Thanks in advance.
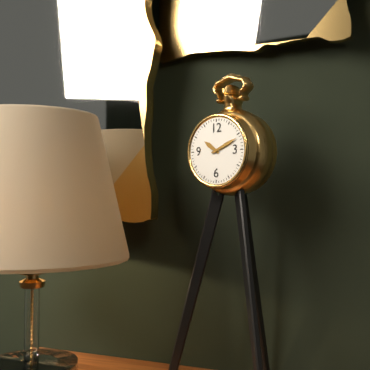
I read {"hour": 10, "minute": 11}
